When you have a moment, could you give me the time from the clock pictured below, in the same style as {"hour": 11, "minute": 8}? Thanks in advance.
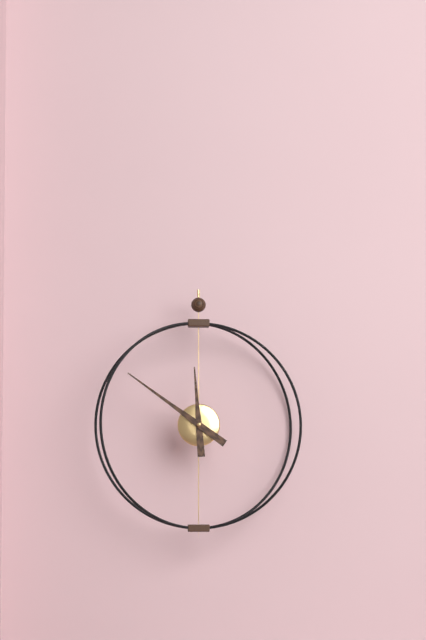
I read {"hour": 11, "minute": 51}
